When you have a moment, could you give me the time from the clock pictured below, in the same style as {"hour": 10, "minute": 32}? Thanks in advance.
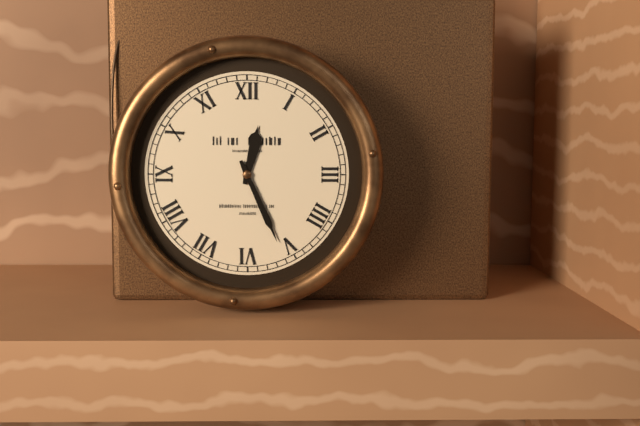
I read {"hour": 12, "minute": 26}
